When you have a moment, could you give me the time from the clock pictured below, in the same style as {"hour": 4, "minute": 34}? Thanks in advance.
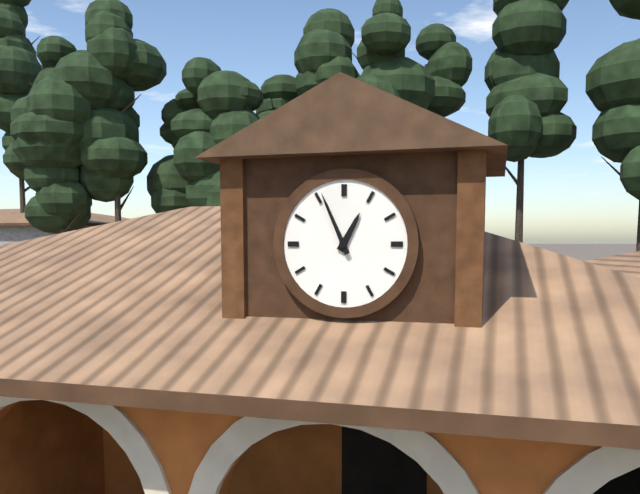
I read {"hour": 12, "minute": 56}
